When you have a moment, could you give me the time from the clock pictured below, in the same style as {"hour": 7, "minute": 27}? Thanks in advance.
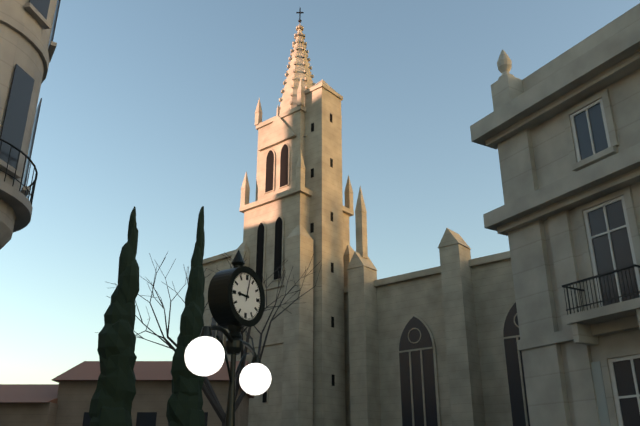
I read {"hour": 9, "minute": 2}
